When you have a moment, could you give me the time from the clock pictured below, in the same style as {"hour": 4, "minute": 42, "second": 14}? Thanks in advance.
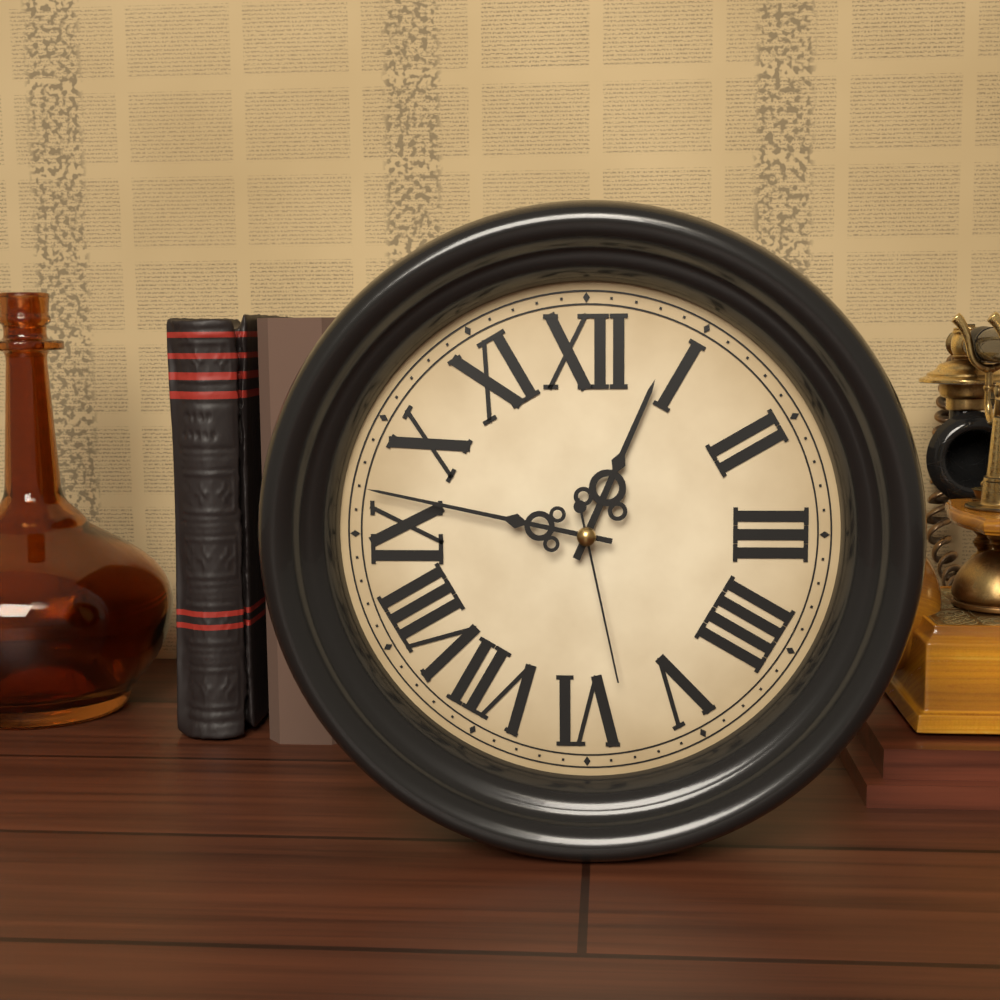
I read {"hour": 12, "minute": 47, "second": 28}
